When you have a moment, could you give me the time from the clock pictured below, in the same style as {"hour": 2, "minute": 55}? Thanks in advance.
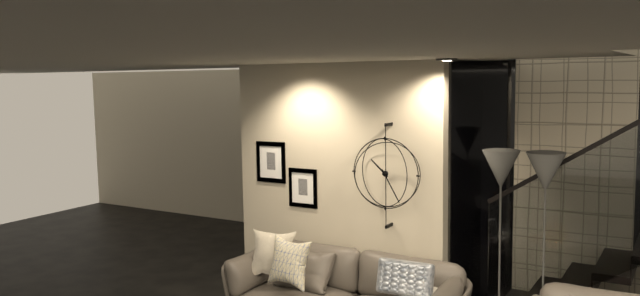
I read {"hour": 10, "minute": 25}
